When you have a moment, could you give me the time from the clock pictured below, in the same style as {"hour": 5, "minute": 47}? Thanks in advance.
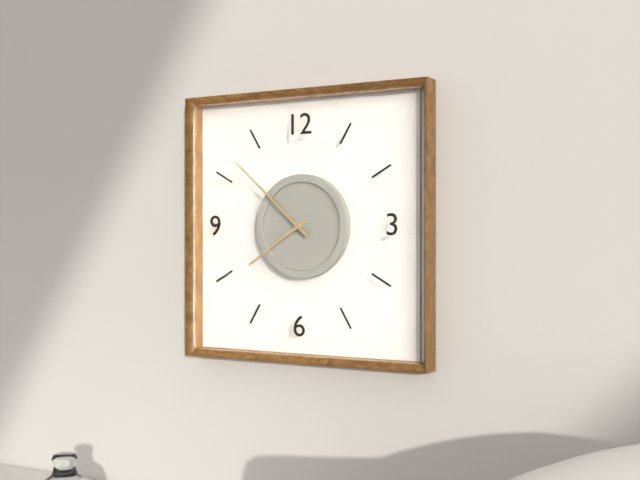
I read {"hour": 7, "minute": 52}
